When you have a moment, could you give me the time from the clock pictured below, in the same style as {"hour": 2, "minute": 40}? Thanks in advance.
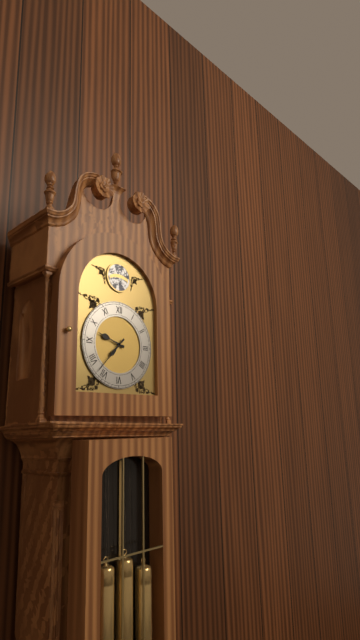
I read {"hour": 9, "minute": 37}
